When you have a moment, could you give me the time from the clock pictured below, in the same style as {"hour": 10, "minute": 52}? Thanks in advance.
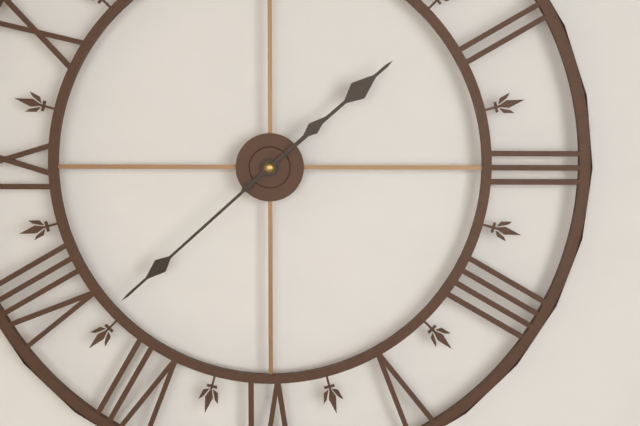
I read {"hour": 1, "minute": 38}
